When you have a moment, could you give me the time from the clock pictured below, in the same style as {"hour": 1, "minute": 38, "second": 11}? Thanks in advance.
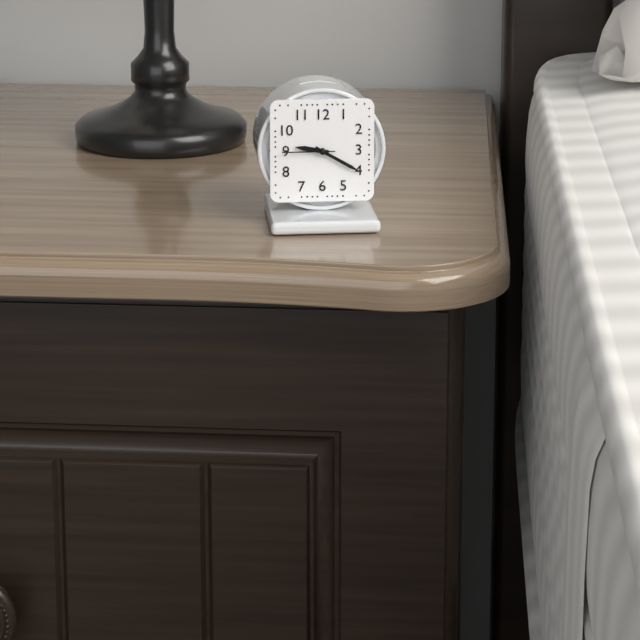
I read {"hour": 9, "minute": 20, "second": 45}
